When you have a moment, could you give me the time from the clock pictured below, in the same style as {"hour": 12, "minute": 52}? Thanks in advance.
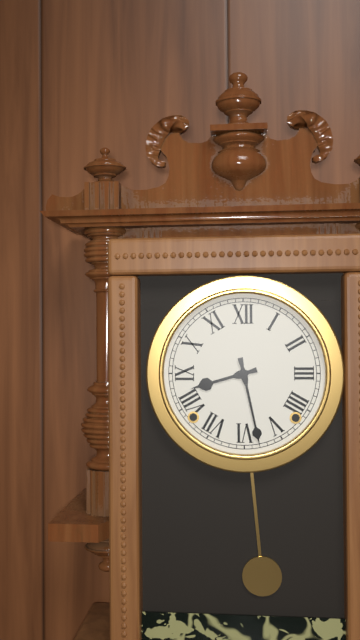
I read {"hour": 8, "minute": 28}
